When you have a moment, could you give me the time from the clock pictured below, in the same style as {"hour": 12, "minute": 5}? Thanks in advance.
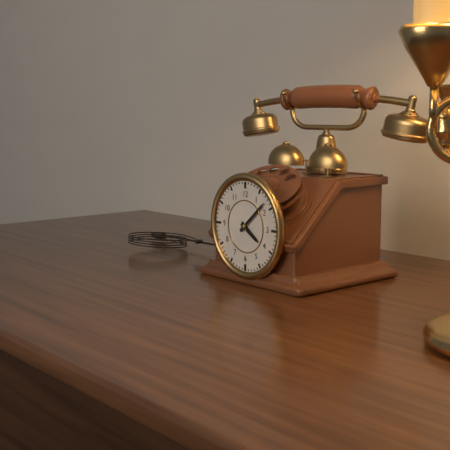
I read {"hour": 4, "minute": 8}
